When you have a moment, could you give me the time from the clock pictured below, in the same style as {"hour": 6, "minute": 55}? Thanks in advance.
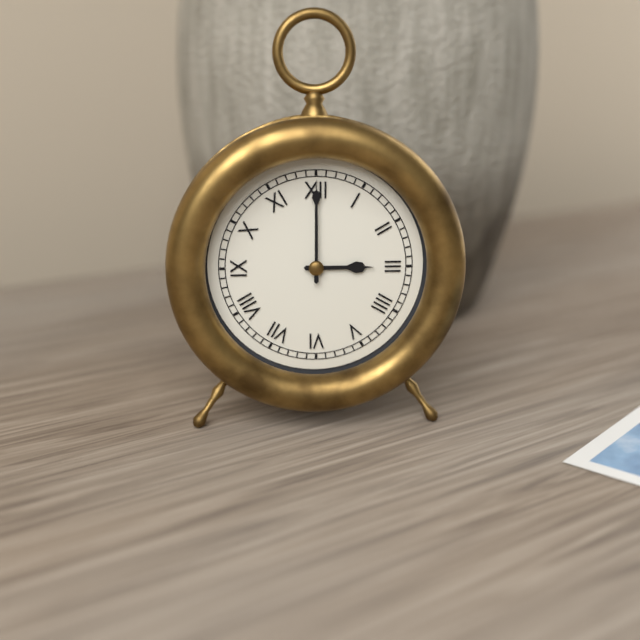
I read {"hour": 3, "minute": 0}
